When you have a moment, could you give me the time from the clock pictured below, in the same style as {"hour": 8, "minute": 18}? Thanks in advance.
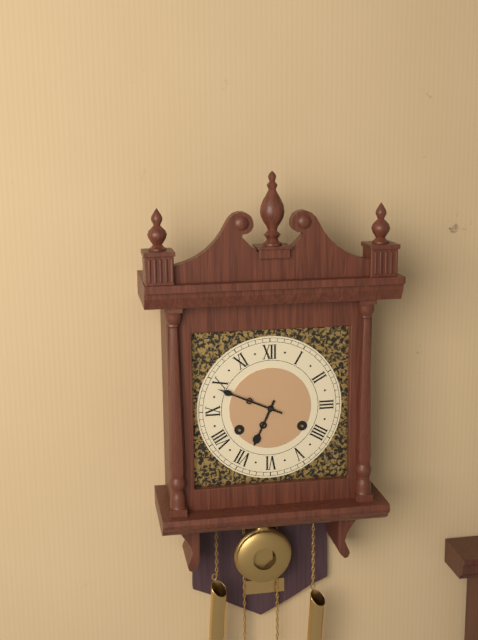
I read {"hour": 6, "minute": 49}
